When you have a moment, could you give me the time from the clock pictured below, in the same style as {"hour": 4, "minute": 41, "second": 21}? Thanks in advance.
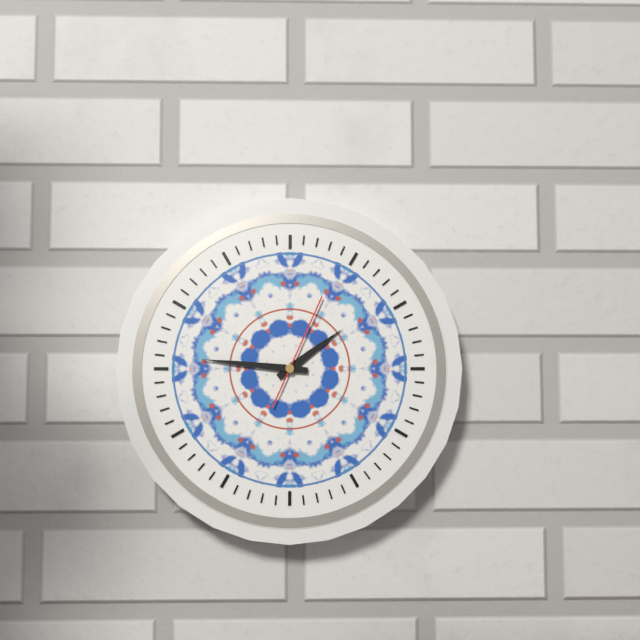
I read {"hour": 1, "minute": 46, "second": 4}
